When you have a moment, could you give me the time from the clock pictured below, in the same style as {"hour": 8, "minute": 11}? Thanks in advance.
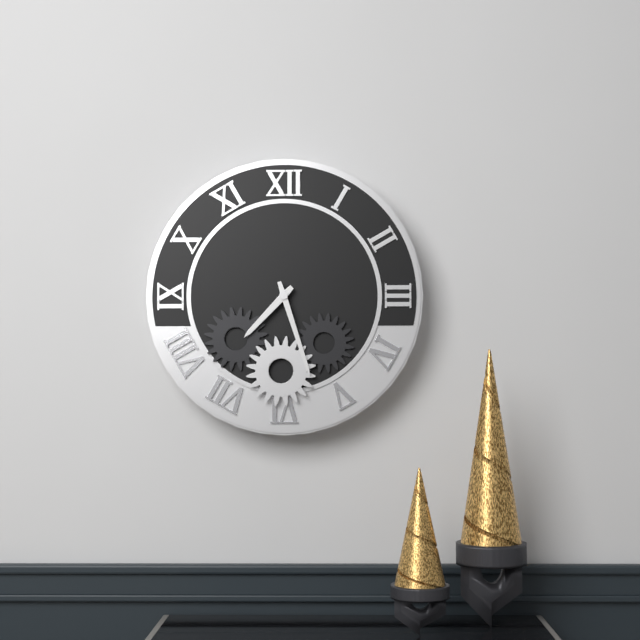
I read {"hour": 7, "minute": 27}
